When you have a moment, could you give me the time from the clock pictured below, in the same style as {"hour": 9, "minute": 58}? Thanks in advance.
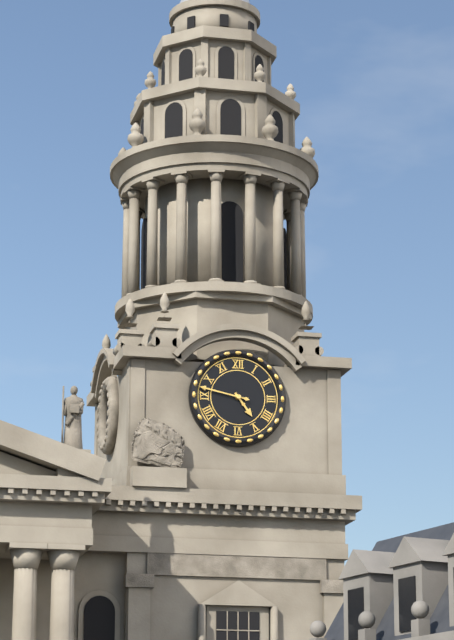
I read {"hour": 4, "minute": 47}
